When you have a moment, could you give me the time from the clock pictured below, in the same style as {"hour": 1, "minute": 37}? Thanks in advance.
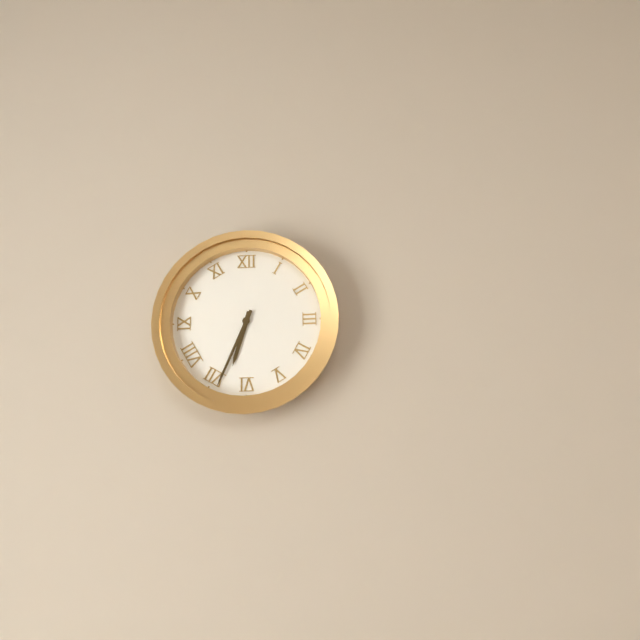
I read {"hour": 6, "minute": 34}
